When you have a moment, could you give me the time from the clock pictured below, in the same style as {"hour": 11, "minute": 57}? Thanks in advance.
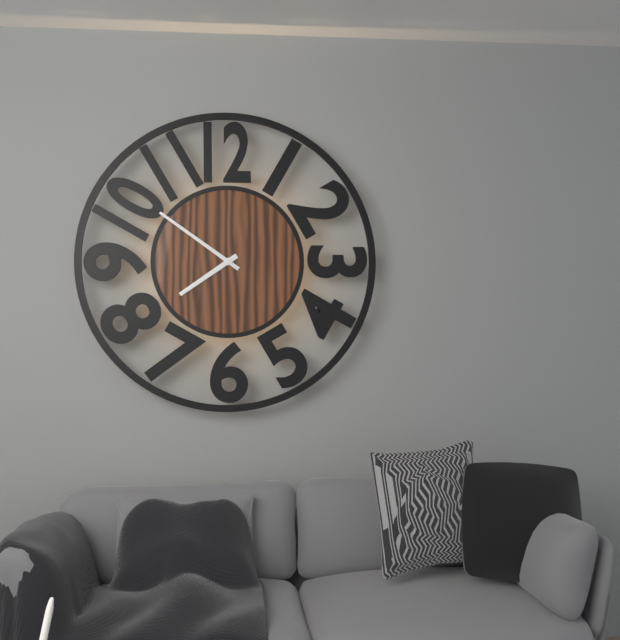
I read {"hour": 7, "minute": 51}
